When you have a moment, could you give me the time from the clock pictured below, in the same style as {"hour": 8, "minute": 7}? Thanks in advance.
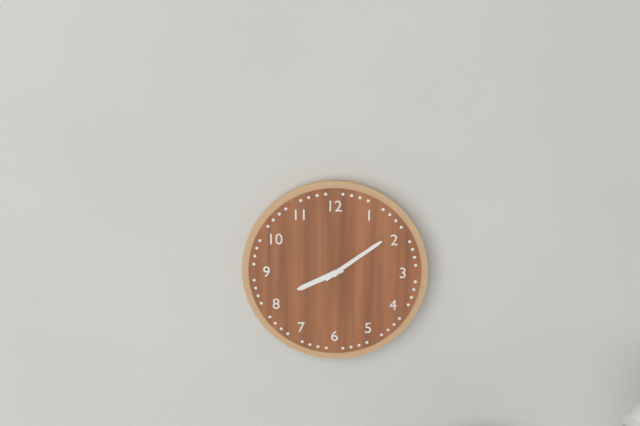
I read {"hour": 8, "minute": 9}
